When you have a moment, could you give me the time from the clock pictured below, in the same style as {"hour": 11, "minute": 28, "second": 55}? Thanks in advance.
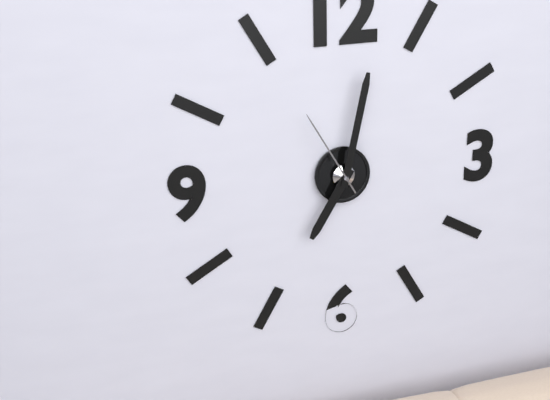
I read {"hour": 7, "minute": 2, "second": 55}
